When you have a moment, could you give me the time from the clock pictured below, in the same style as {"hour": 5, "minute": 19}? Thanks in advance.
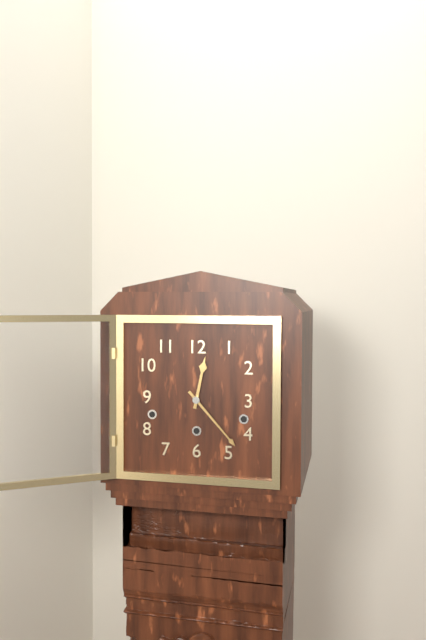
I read {"hour": 12, "minute": 23}
